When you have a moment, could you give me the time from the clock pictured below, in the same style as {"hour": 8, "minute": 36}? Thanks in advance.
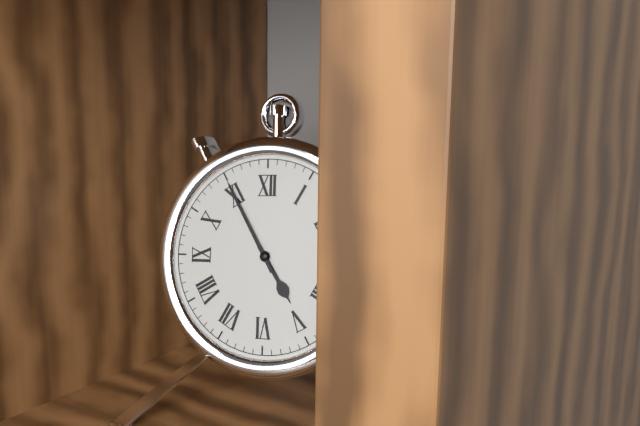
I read {"hour": 4, "minute": 55}
